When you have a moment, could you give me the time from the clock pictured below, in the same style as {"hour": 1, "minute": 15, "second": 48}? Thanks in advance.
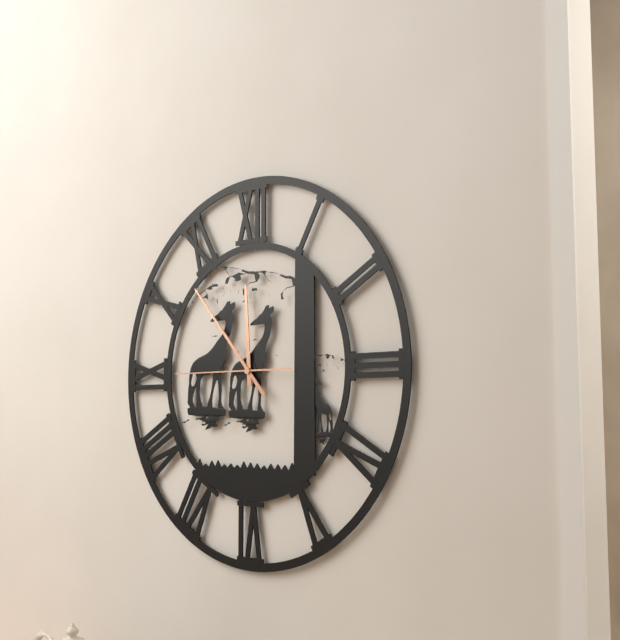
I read {"hour": 11, "minute": 53, "second": 45}
